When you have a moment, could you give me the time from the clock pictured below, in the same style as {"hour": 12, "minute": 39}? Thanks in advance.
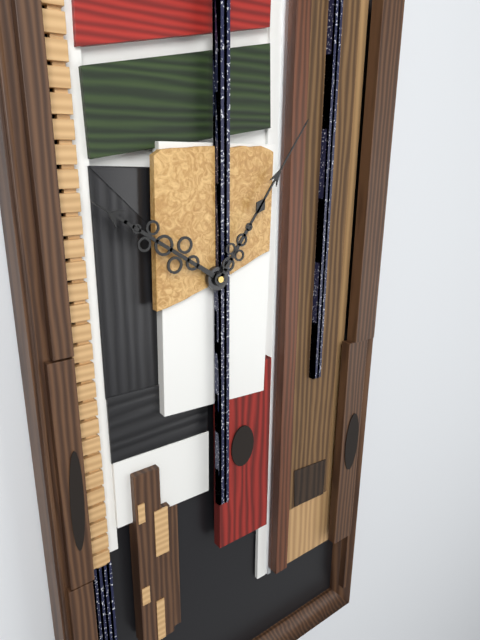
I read {"hour": 10, "minute": 6}
